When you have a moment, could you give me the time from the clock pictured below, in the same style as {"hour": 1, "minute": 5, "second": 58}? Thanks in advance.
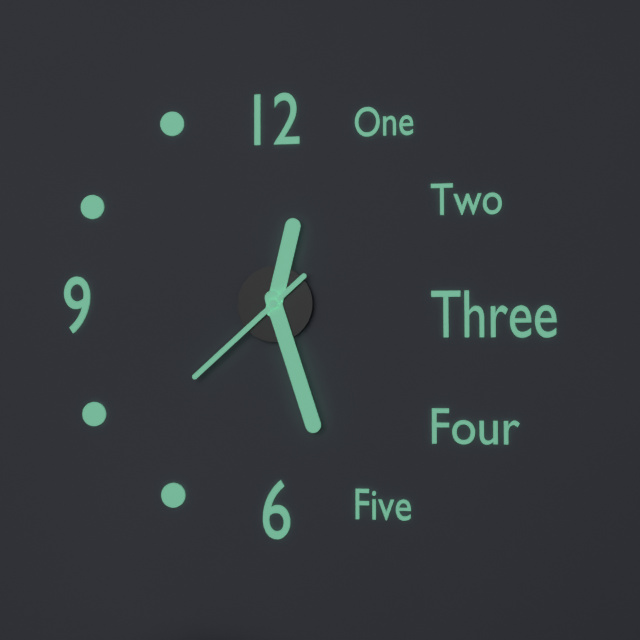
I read {"hour": 12, "minute": 27, "second": 38}
